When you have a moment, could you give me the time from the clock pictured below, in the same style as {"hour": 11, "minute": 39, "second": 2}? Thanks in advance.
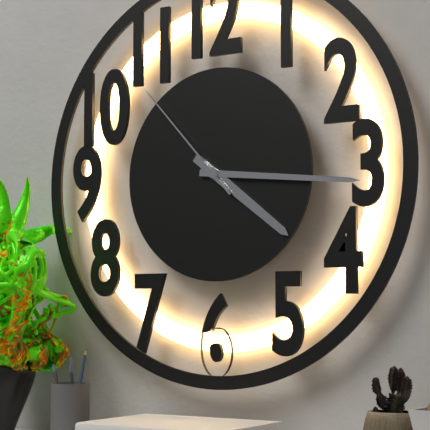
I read {"hour": 4, "minute": 16, "second": 53}
